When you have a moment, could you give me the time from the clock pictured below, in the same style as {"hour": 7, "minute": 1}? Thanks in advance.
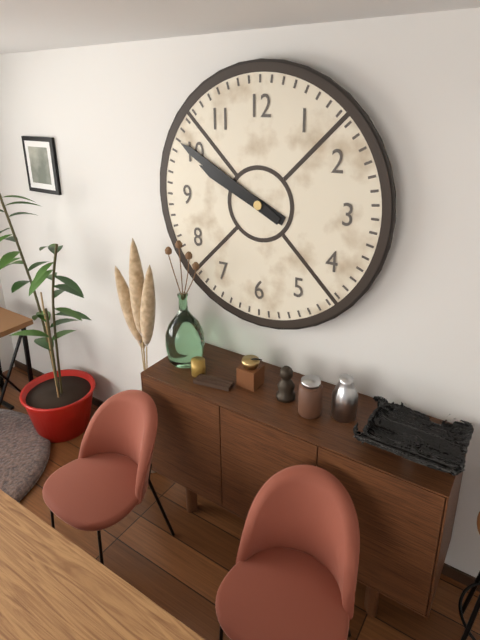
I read {"hour": 9, "minute": 50}
